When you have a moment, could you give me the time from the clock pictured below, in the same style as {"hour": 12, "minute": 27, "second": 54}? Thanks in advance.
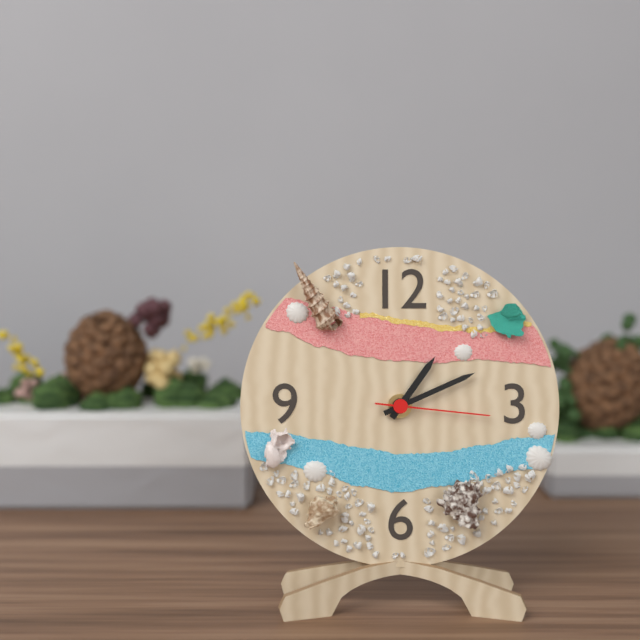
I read {"hour": 1, "minute": 11, "second": 16}
